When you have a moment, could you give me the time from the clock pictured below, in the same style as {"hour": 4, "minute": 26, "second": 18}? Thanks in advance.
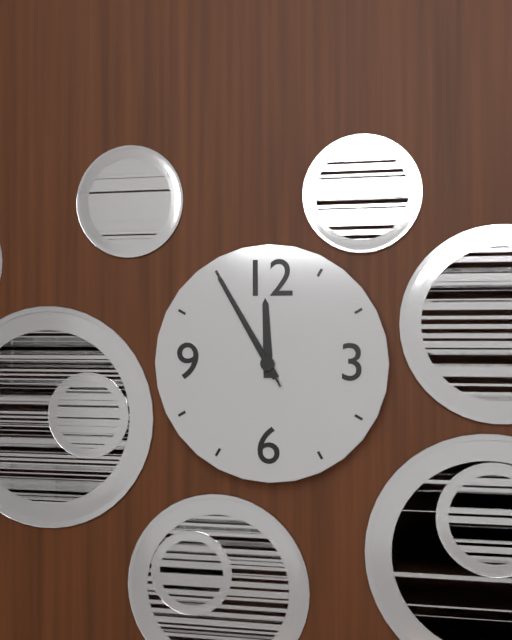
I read {"hour": 11, "minute": 55, "second": 55}
